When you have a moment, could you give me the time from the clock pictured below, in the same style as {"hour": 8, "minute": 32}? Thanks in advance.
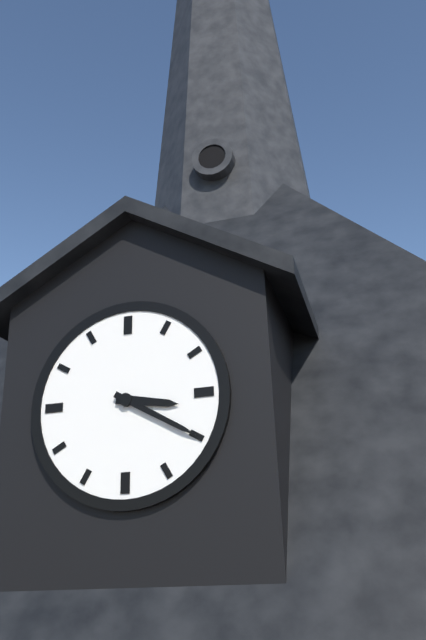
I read {"hour": 3, "minute": 20}
